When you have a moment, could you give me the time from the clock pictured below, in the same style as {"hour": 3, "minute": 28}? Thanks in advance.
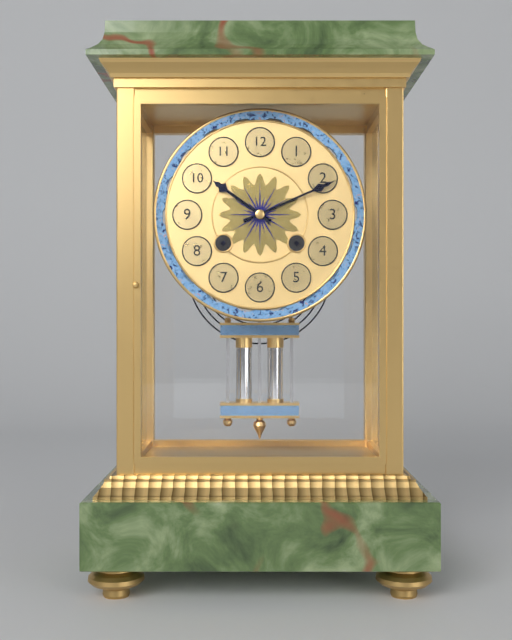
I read {"hour": 10, "minute": 11}
